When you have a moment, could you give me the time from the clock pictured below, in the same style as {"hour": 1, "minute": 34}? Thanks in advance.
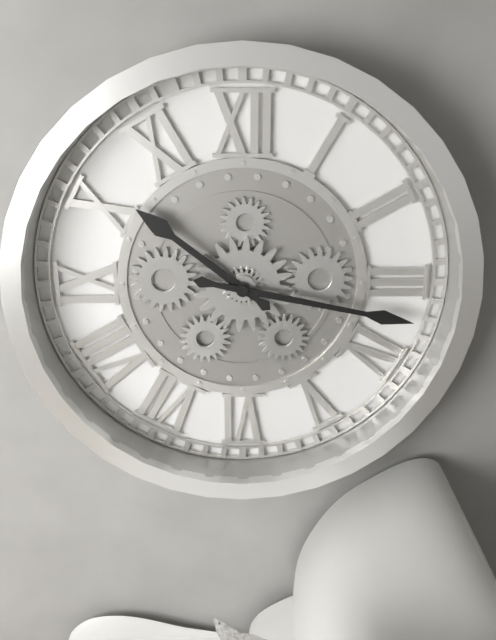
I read {"hour": 10, "minute": 17}
